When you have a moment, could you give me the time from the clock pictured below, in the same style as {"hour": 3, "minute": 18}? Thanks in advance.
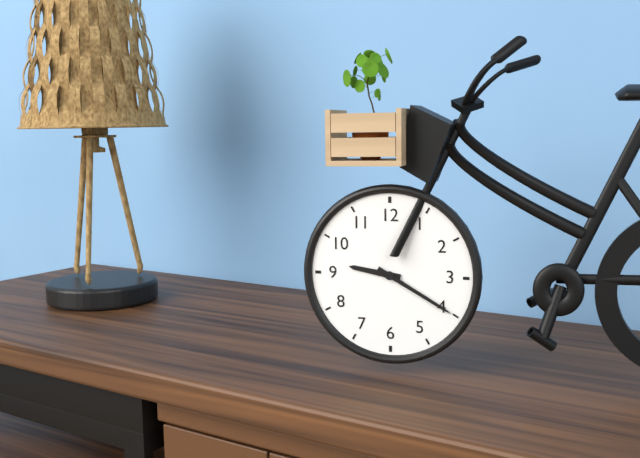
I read {"hour": 9, "minute": 20}
